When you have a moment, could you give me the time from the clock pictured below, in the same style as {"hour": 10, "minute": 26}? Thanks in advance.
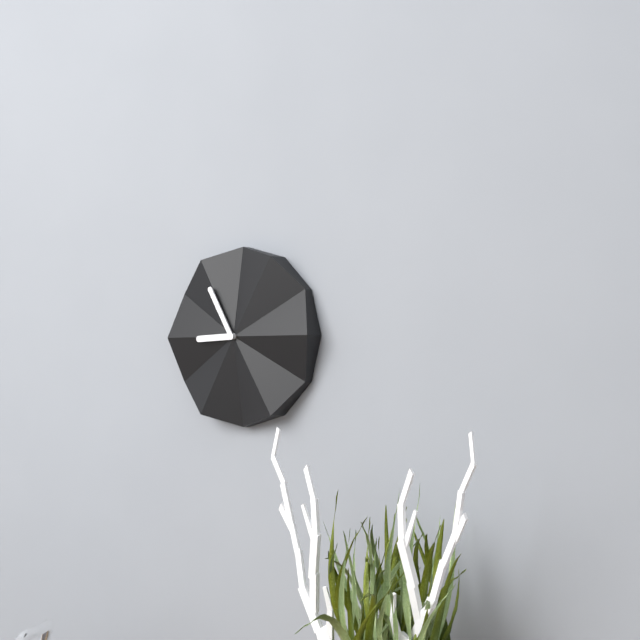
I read {"hour": 8, "minute": 55}
